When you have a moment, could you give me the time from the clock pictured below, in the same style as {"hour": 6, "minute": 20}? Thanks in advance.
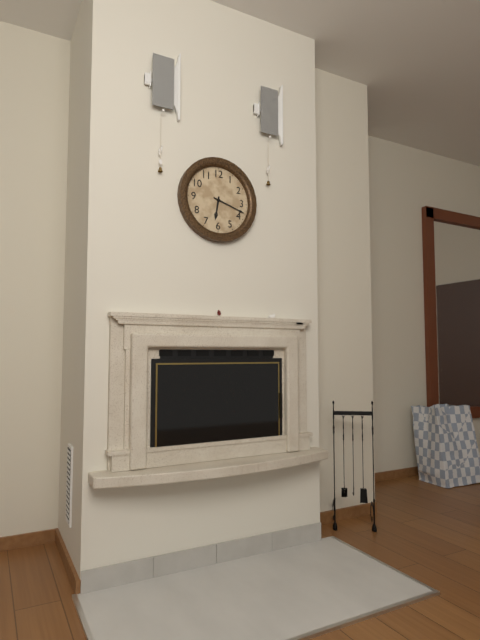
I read {"hour": 6, "minute": 18}
